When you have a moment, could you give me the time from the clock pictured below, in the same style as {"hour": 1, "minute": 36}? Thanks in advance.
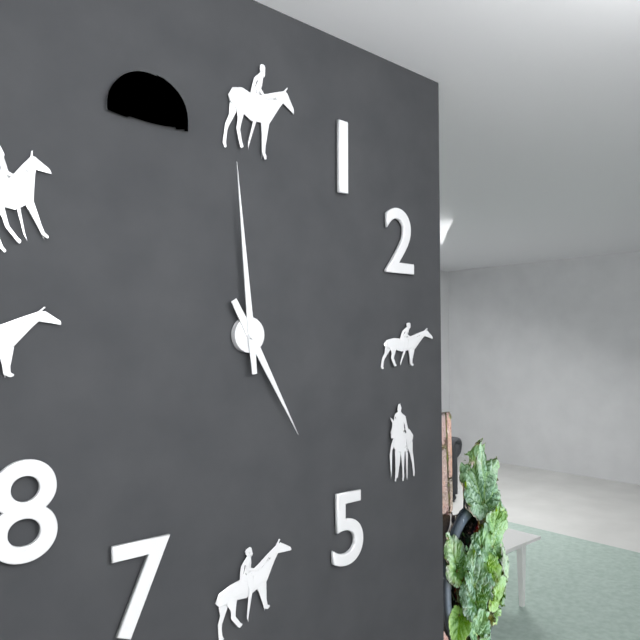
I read {"hour": 4, "minute": 59}
